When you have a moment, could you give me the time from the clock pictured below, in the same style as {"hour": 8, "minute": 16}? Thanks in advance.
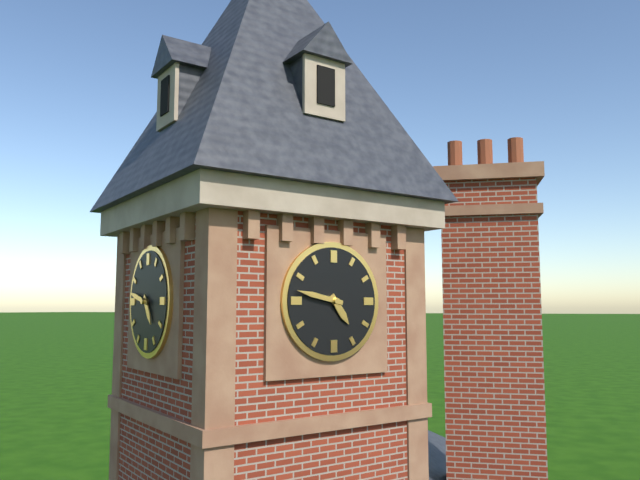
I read {"hour": 4, "minute": 47}
